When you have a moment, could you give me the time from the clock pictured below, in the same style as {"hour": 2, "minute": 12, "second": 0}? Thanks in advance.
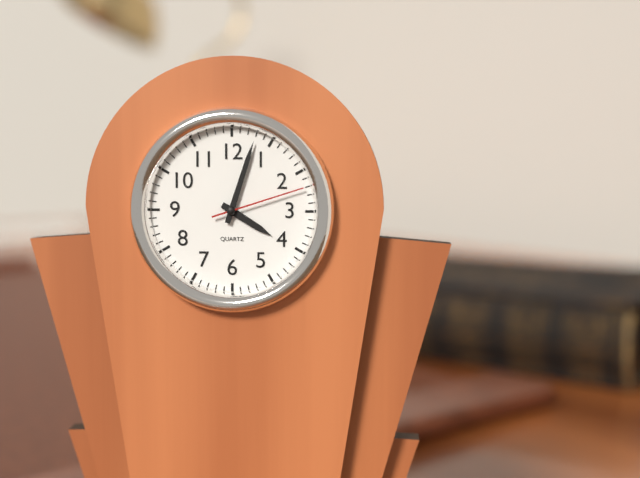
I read {"hour": 4, "minute": 3, "second": 12}
